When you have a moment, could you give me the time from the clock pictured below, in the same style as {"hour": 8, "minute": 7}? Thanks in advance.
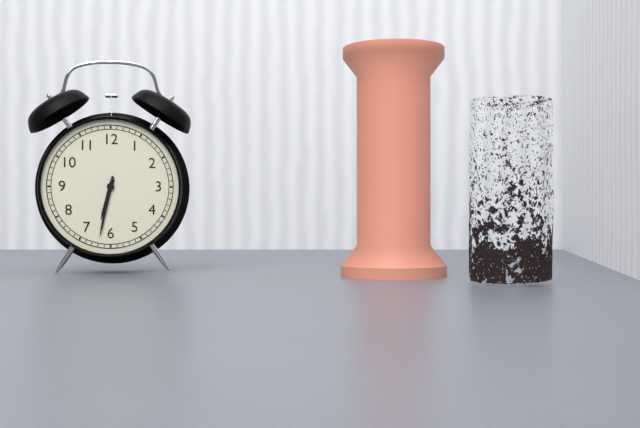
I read {"hour": 6, "minute": 32}
